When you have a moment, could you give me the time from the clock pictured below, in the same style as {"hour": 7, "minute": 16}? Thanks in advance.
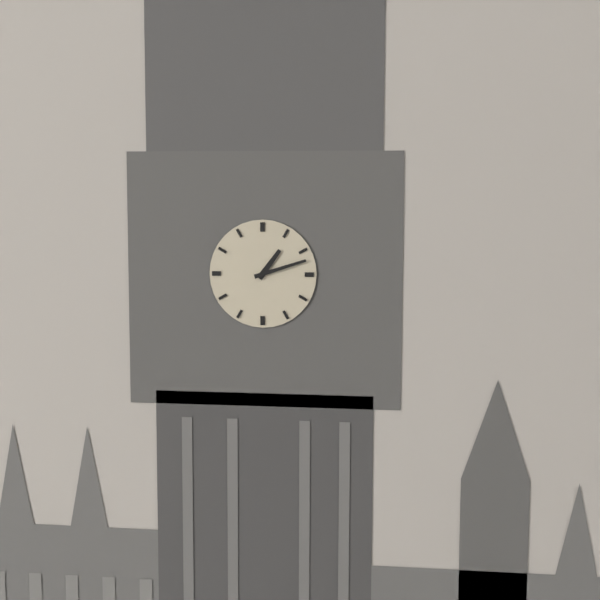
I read {"hour": 1, "minute": 12}
